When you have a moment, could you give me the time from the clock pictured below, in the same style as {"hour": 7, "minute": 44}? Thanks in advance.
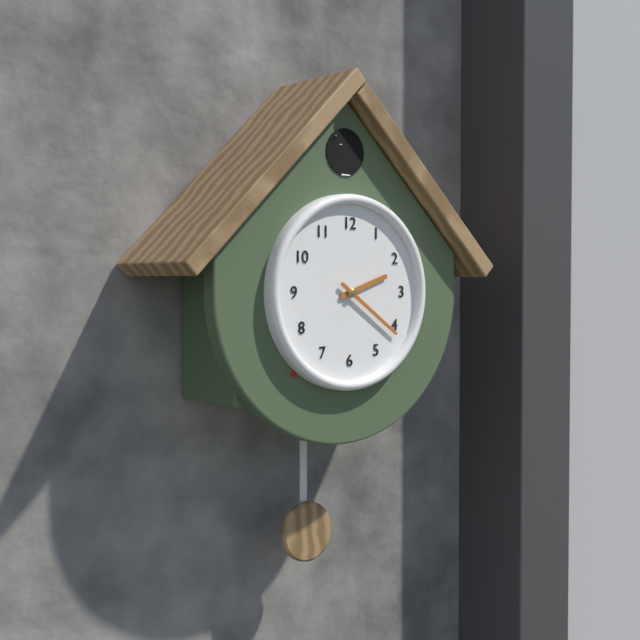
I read {"hour": 2, "minute": 21}
